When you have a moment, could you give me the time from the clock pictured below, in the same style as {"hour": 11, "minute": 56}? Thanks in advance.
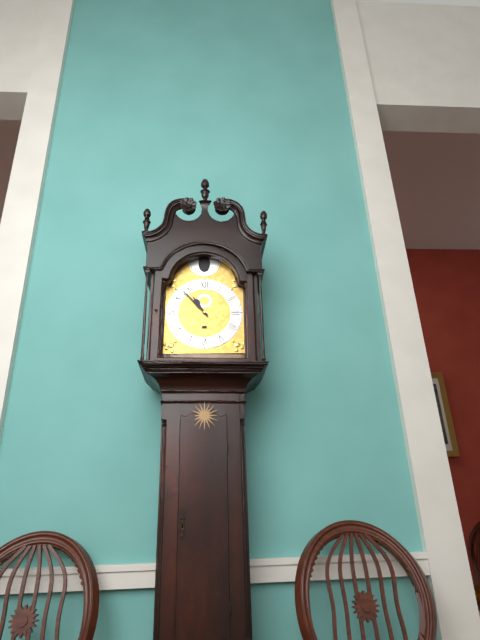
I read {"hour": 10, "minute": 53}
